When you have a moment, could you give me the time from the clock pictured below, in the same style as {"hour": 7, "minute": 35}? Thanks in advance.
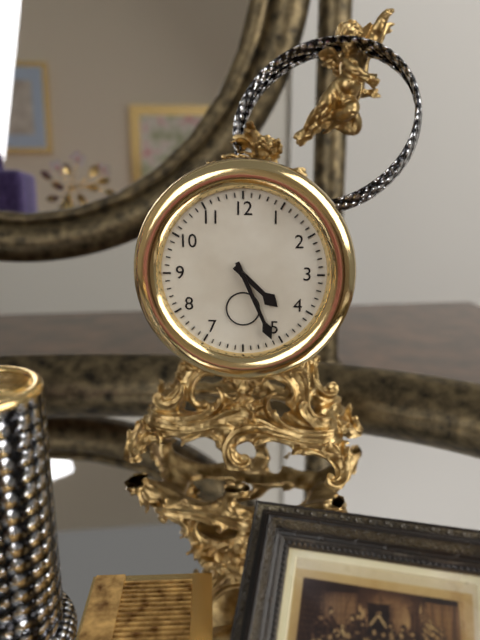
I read {"hour": 4, "minute": 26}
